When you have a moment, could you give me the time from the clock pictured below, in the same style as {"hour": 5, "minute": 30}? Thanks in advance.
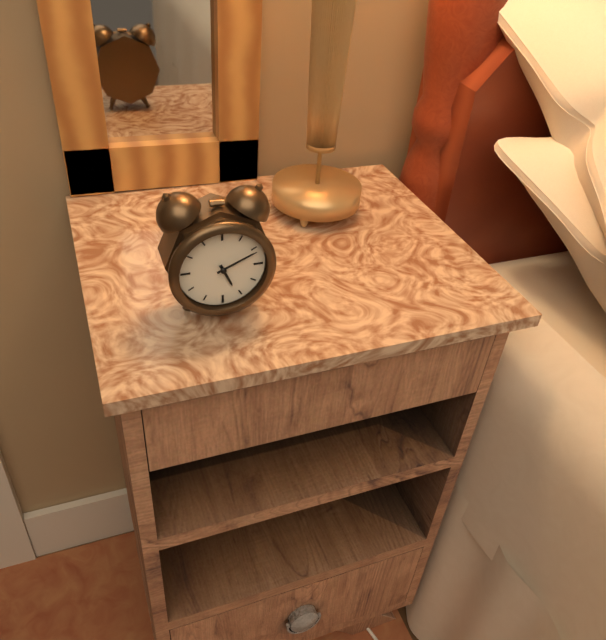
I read {"hour": 5, "minute": 11}
